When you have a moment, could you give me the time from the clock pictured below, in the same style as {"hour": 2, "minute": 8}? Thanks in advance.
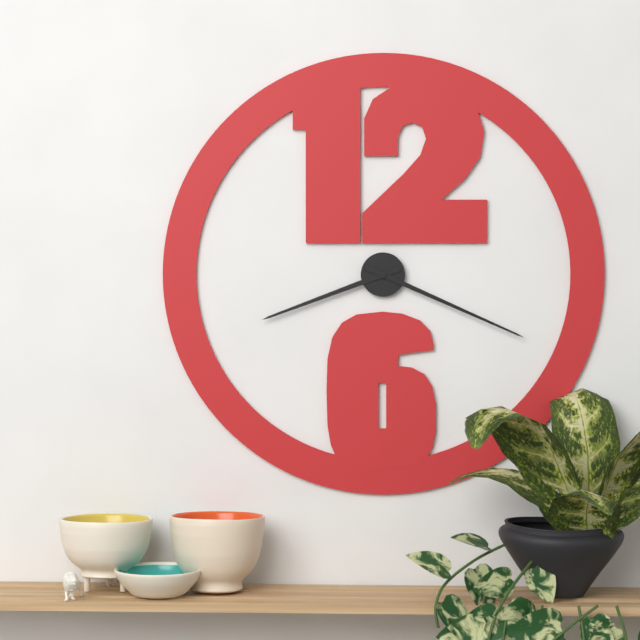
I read {"hour": 8, "minute": 19}
